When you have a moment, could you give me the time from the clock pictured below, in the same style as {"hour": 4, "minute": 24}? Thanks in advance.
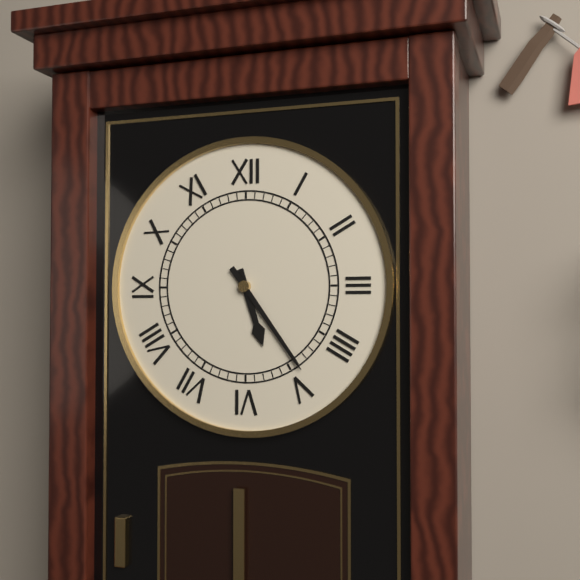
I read {"hour": 5, "minute": 24}
